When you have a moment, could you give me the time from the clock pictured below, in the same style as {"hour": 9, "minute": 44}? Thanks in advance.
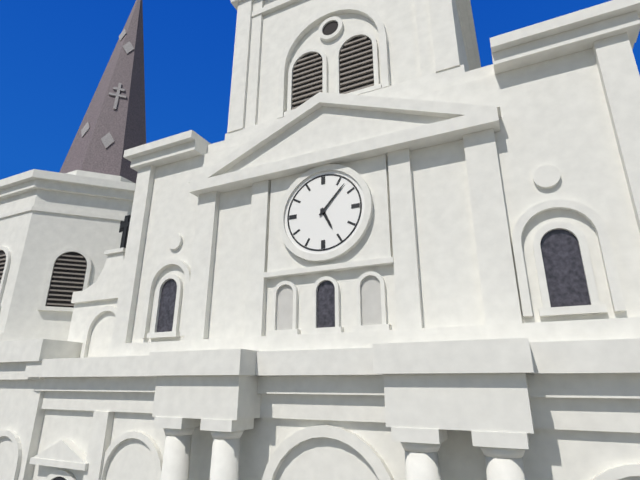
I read {"hour": 5, "minute": 7}
